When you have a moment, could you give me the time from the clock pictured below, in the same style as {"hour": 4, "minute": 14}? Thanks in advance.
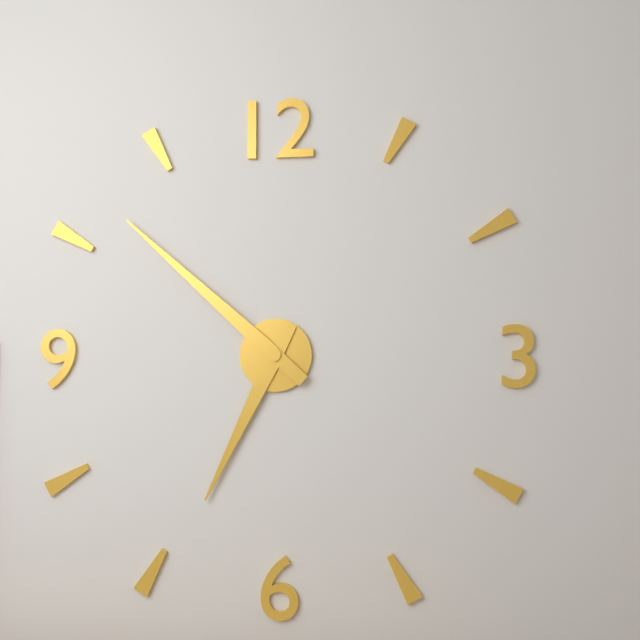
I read {"hour": 6, "minute": 52}
